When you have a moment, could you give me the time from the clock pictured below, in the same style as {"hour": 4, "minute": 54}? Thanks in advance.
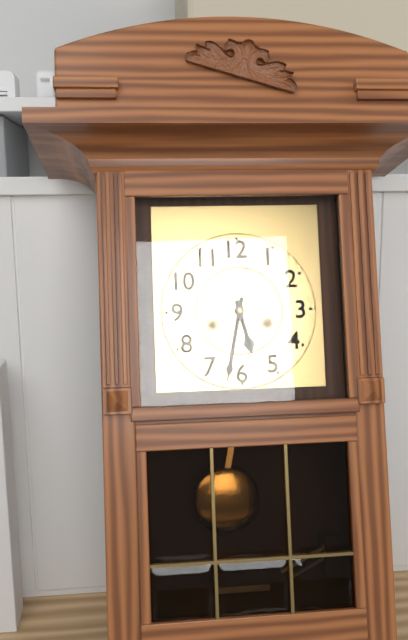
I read {"hour": 5, "minute": 32}
